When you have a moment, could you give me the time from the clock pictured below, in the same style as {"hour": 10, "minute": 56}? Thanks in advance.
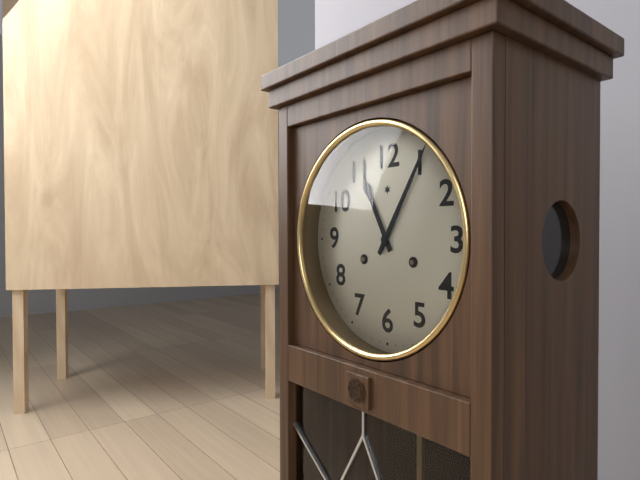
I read {"hour": 11, "minute": 5}
